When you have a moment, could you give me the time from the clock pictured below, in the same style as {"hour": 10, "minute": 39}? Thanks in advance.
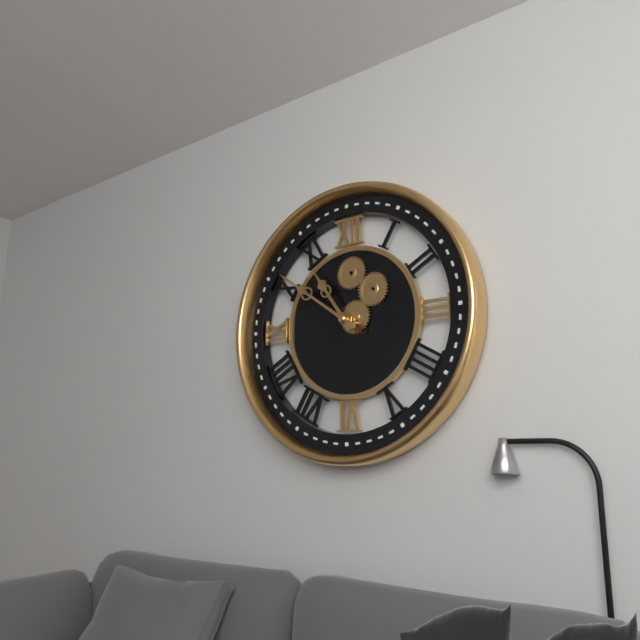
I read {"hour": 10, "minute": 51}
